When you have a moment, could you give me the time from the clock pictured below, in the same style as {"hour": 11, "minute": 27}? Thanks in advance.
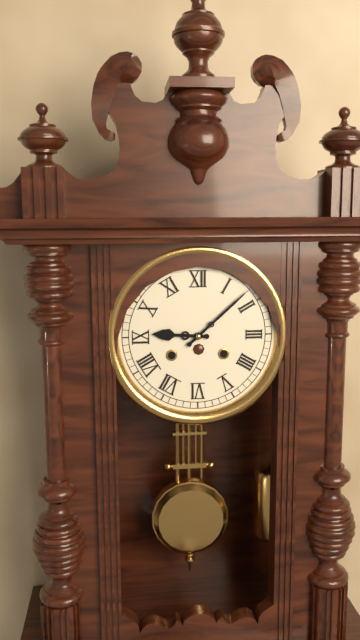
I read {"hour": 9, "minute": 8}
